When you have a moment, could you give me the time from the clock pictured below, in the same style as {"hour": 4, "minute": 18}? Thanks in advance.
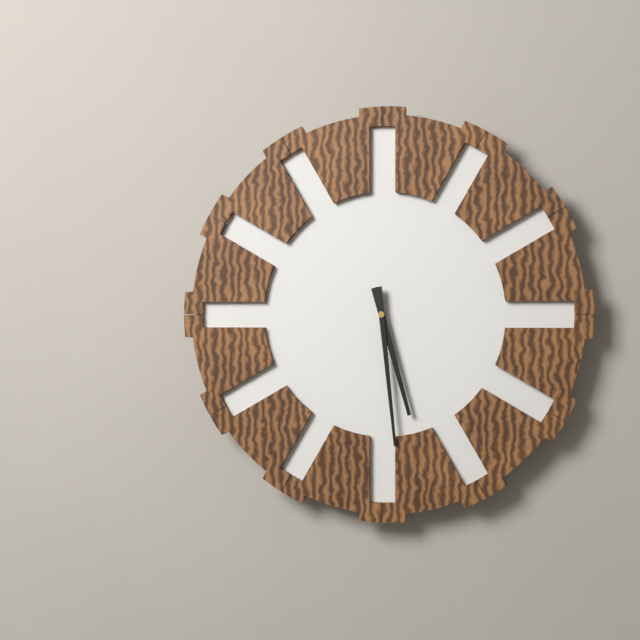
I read {"hour": 5, "minute": 29}
